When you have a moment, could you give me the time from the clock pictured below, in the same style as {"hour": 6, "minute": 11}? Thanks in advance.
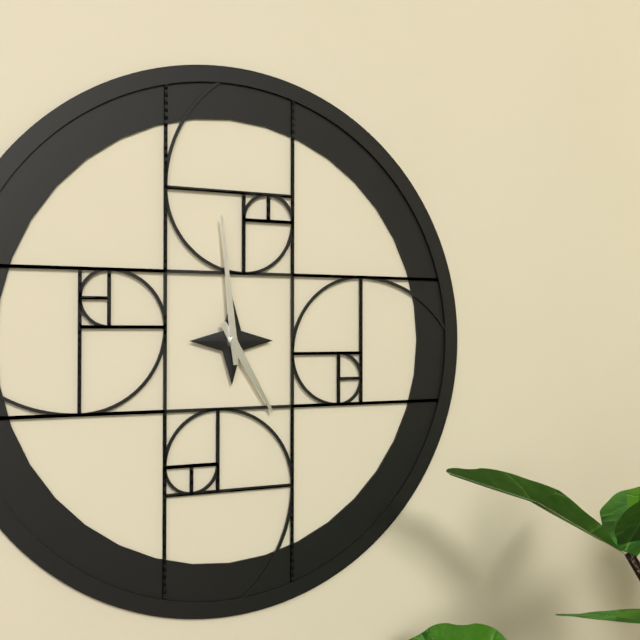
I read {"hour": 4, "minute": 59}
